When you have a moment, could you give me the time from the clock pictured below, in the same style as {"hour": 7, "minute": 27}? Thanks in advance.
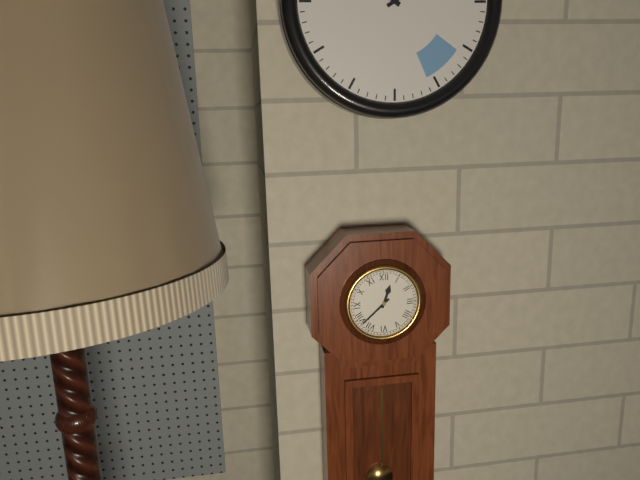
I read {"hour": 12, "minute": 38}
